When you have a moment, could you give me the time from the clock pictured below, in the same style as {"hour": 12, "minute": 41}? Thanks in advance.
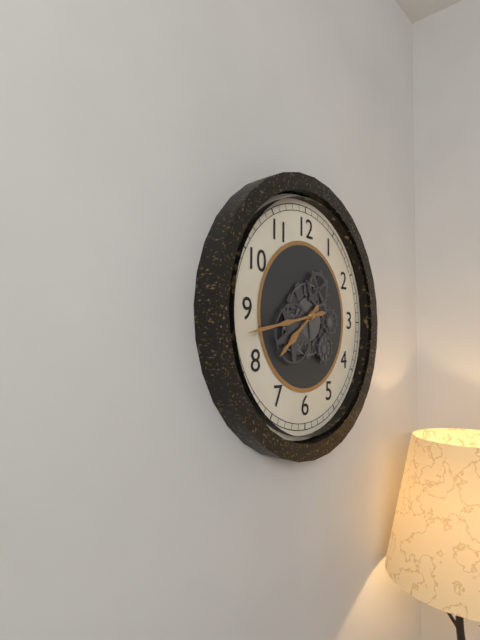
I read {"hour": 7, "minute": 43}
